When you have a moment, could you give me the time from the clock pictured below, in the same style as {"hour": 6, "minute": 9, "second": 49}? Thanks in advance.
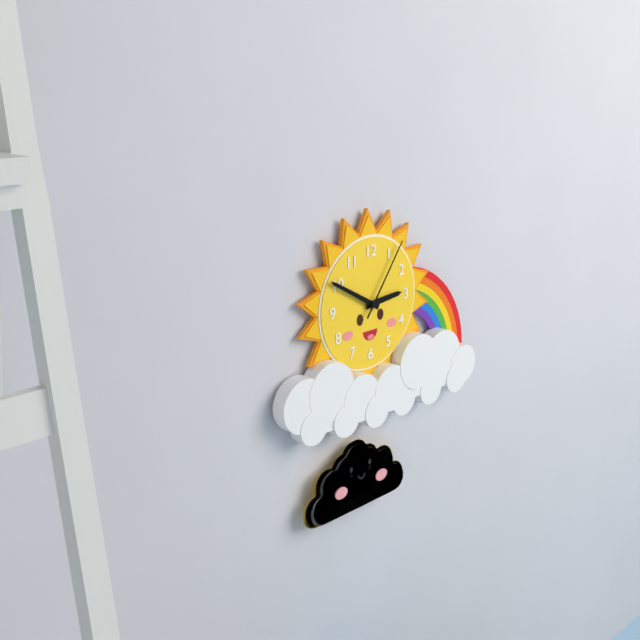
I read {"hour": 2, "minute": 50, "second": 6}
